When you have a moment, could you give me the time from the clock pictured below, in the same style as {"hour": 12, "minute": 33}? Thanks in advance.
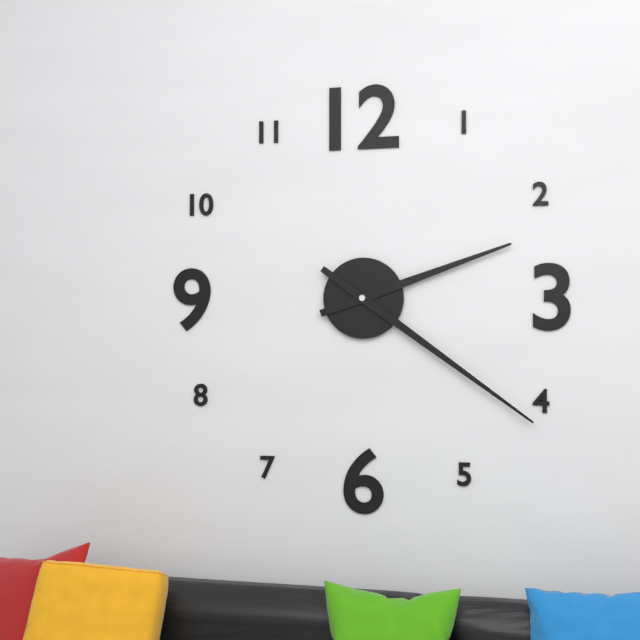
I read {"hour": 2, "minute": 21}
